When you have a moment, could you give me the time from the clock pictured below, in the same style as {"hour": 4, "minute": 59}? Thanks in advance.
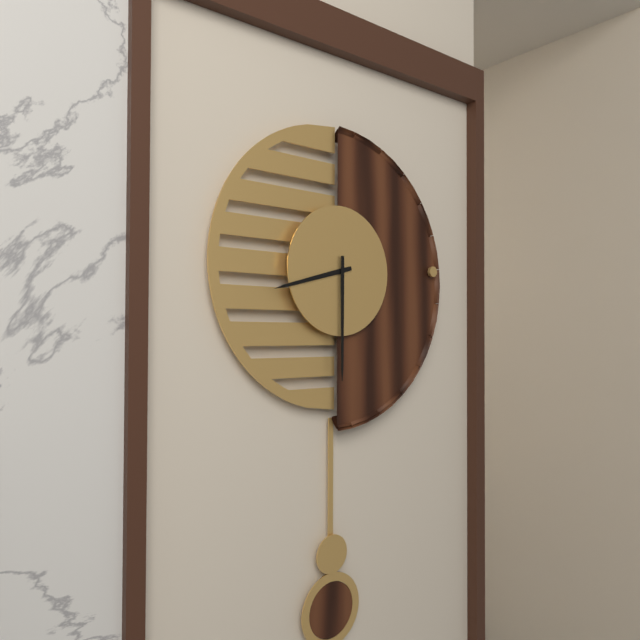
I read {"hour": 8, "minute": 30}
